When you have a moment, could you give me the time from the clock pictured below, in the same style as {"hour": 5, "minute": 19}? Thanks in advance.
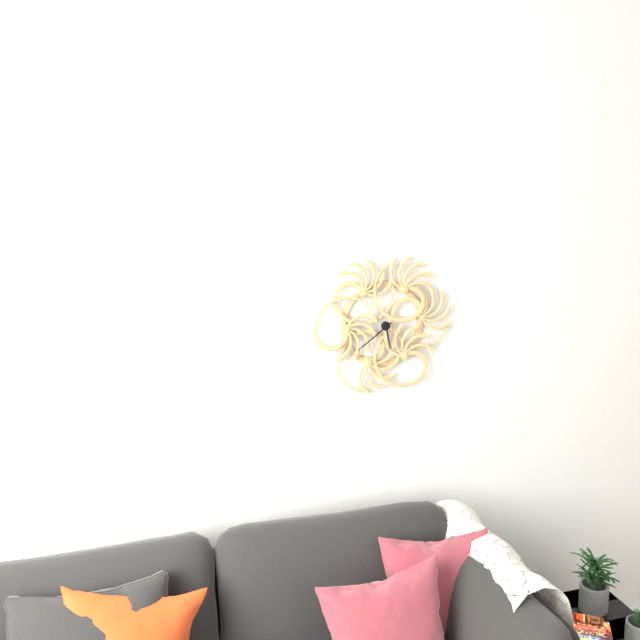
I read {"hour": 5, "minute": 39}
